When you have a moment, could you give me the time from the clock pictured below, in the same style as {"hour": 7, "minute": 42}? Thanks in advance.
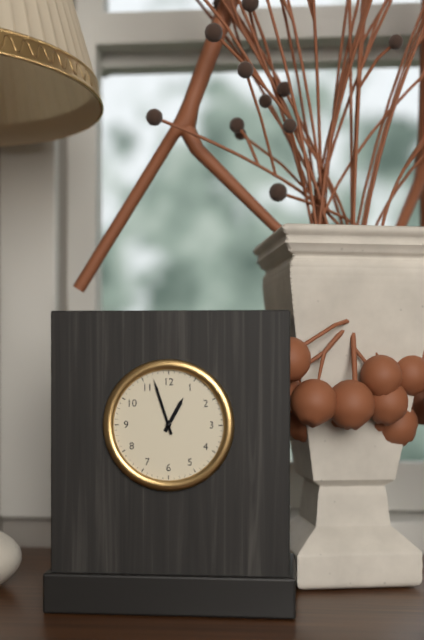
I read {"hour": 12, "minute": 57}
